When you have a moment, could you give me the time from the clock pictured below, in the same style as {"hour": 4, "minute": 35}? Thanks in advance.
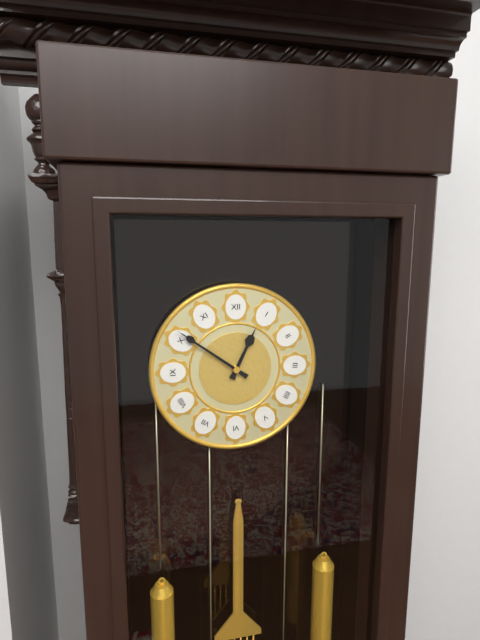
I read {"hour": 12, "minute": 51}
